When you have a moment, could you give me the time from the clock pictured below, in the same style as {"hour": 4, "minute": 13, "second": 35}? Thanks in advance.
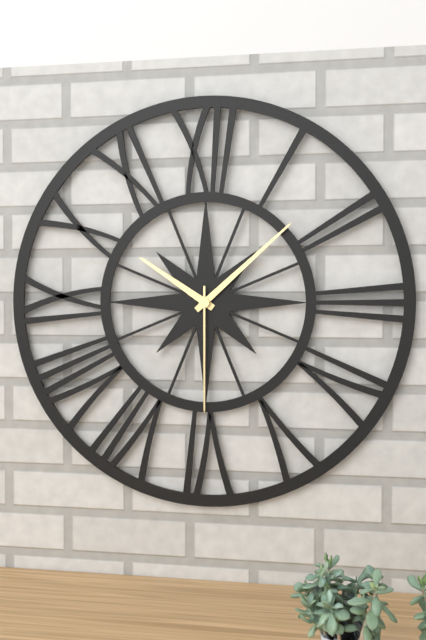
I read {"hour": 10, "minute": 8, "second": 30}
